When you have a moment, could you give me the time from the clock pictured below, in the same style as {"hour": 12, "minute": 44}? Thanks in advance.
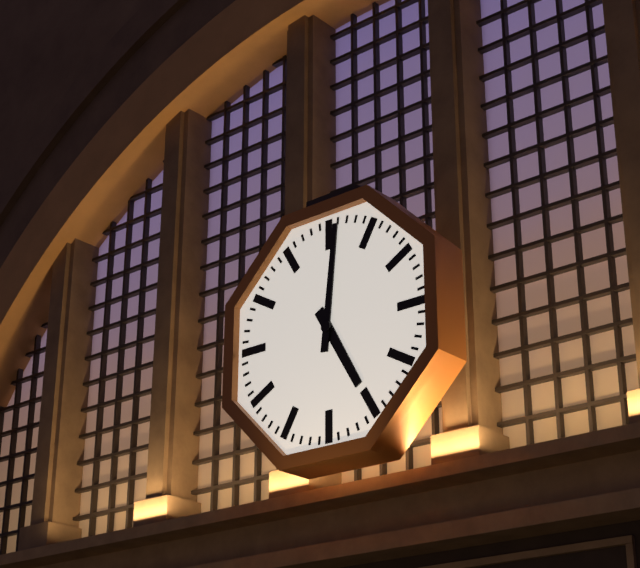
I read {"hour": 5, "minute": 1}
